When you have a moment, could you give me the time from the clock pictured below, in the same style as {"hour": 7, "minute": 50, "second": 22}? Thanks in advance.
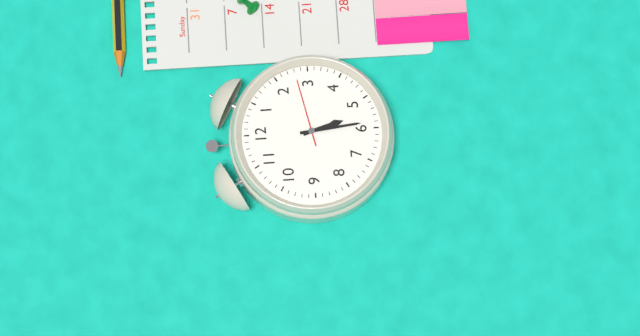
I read {"hour": 5, "minute": 29, "second": 13}
